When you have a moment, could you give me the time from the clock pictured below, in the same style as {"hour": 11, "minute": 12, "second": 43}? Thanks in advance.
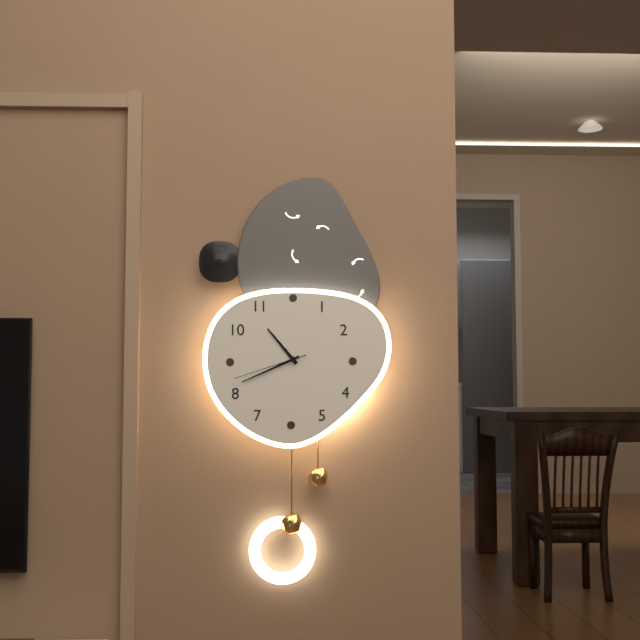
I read {"hour": 10, "minute": 41, "second": 42}
